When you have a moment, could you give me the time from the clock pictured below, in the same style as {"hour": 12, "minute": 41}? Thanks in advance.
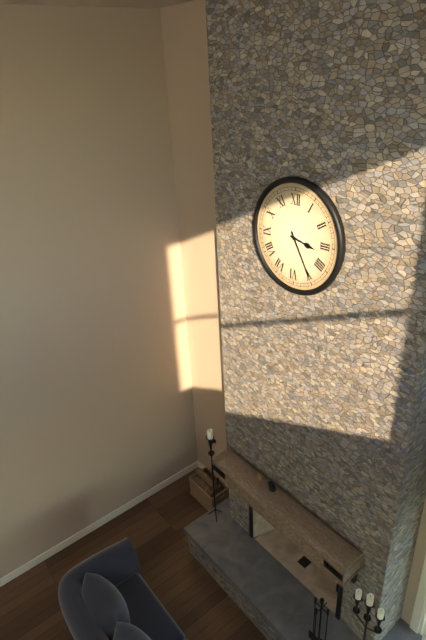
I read {"hour": 3, "minute": 25}
